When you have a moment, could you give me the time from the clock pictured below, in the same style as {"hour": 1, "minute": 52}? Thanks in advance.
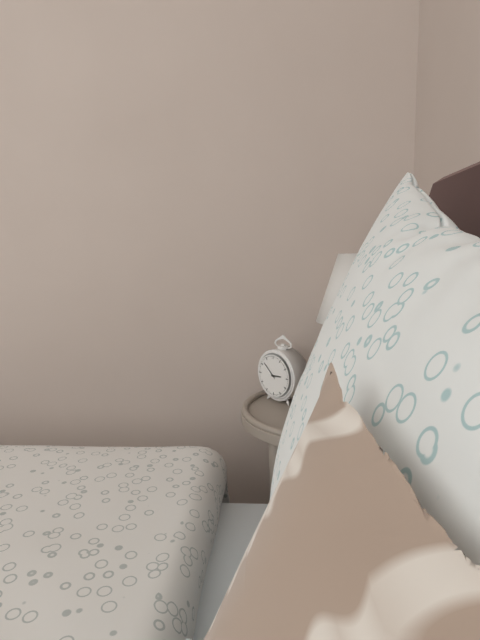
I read {"hour": 2, "minute": 52}
